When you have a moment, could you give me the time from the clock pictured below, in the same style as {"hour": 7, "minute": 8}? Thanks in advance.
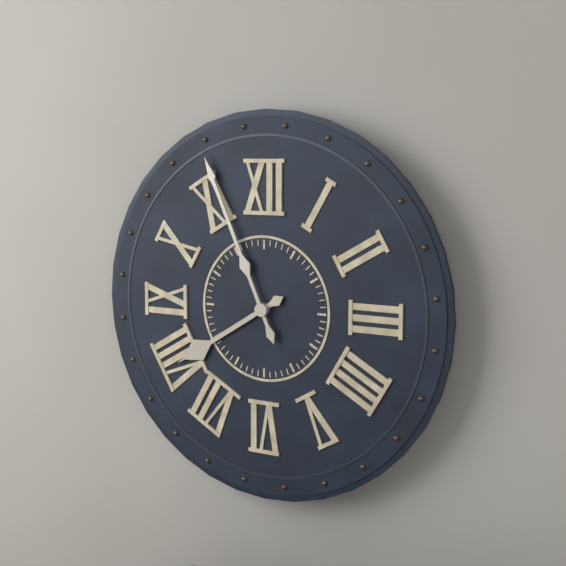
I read {"hour": 7, "minute": 56}
